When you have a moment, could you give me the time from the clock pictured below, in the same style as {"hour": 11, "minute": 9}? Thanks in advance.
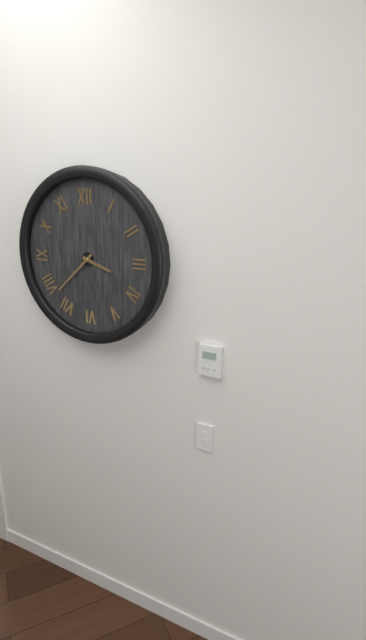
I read {"hour": 3, "minute": 38}
